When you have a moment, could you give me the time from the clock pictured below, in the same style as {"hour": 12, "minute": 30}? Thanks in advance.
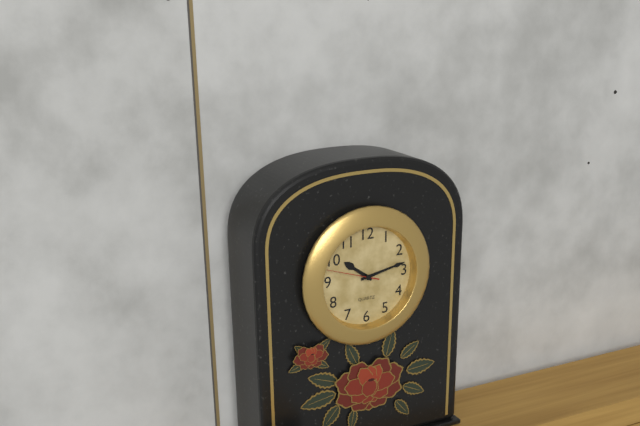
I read {"hour": 10, "minute": 13}
